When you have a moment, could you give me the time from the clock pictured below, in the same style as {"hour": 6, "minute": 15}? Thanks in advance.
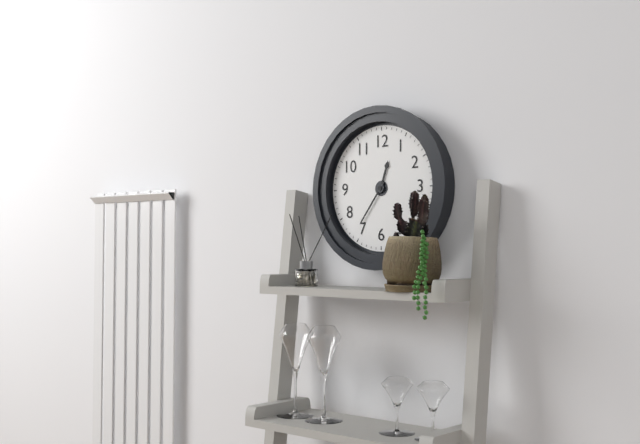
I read {"hour": 12, "minute": 36}
